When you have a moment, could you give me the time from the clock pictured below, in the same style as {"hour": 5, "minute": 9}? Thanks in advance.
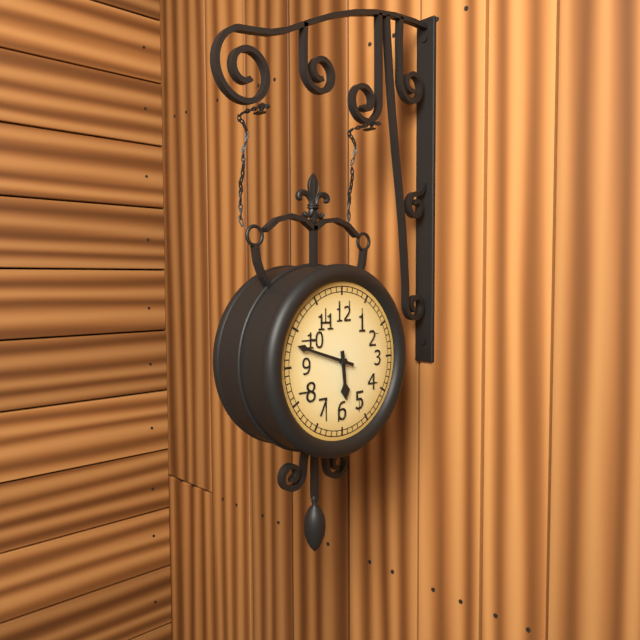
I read {"hour": 5, "minute": 48}
